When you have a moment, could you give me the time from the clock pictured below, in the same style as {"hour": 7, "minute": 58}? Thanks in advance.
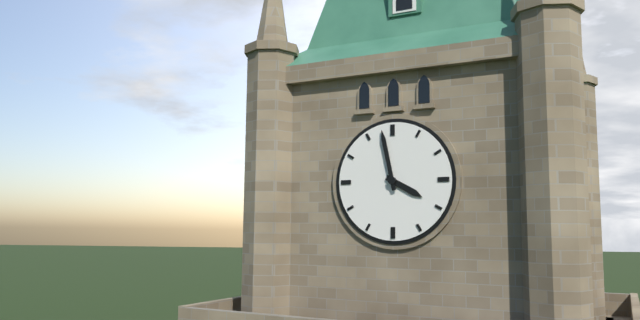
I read {"hour": 3, "minute": 58}
